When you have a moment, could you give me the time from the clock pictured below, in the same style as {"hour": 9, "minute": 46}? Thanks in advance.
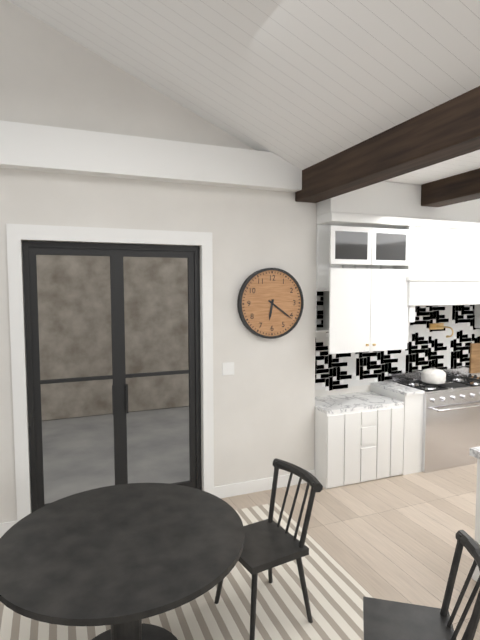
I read {"hour": 6, "minute": 21}
